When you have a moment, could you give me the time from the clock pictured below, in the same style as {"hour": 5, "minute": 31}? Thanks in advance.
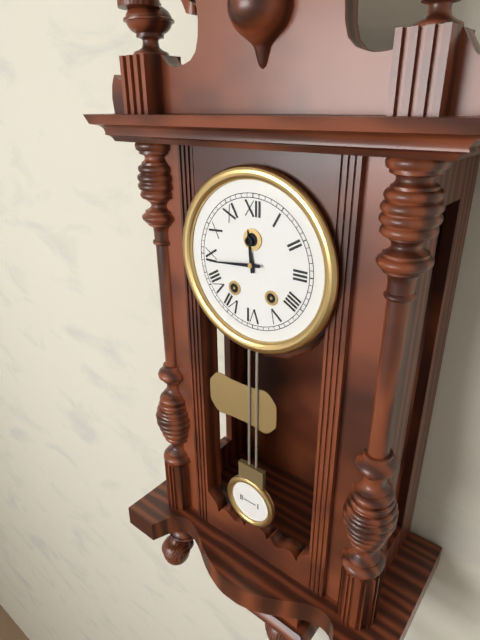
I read {"hour": 11, "minute": 44}
